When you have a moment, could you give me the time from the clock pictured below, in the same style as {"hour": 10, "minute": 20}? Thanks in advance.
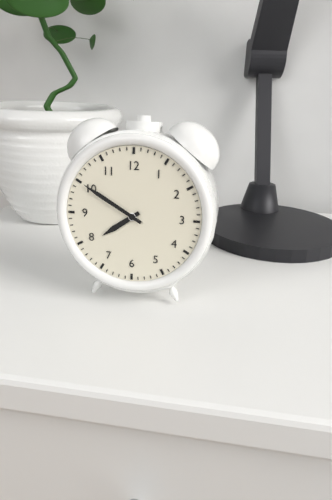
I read {"hour": 7, "minute": 50}
